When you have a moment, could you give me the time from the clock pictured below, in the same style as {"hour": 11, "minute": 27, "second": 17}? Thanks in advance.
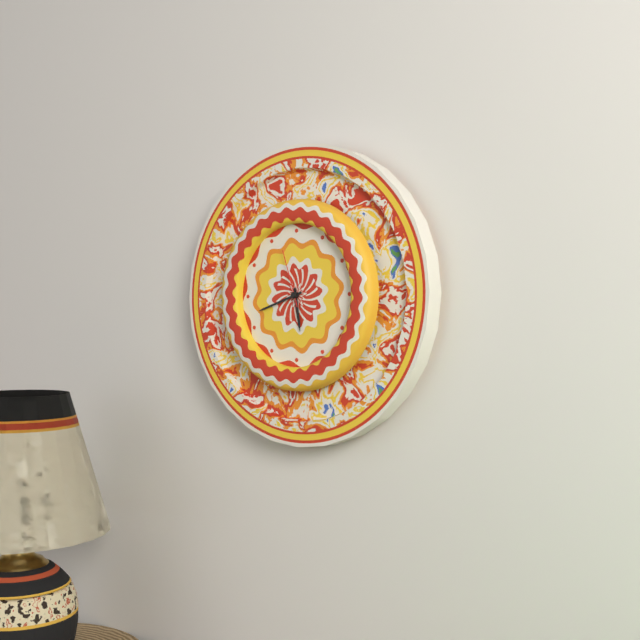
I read {"hour": 5, "minute": 42, "second": 57}
